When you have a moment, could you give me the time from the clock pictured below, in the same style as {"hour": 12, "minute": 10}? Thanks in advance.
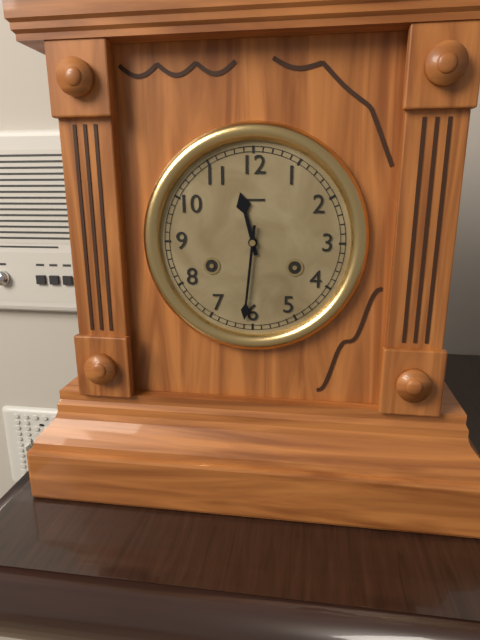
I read {"hour": 11, "minute": 31}
